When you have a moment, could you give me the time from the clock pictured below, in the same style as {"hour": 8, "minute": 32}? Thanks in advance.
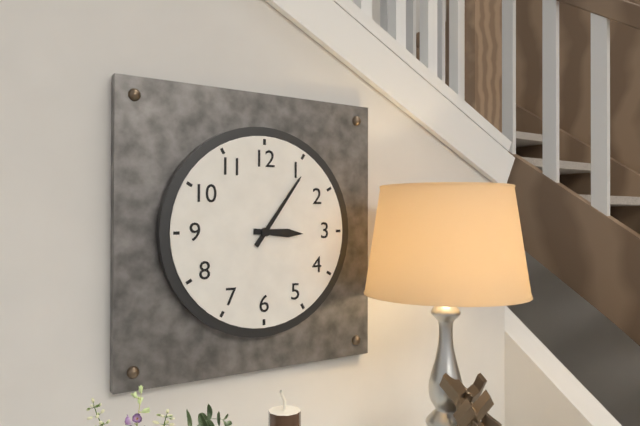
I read {"hour": 3, "minute": 6}
